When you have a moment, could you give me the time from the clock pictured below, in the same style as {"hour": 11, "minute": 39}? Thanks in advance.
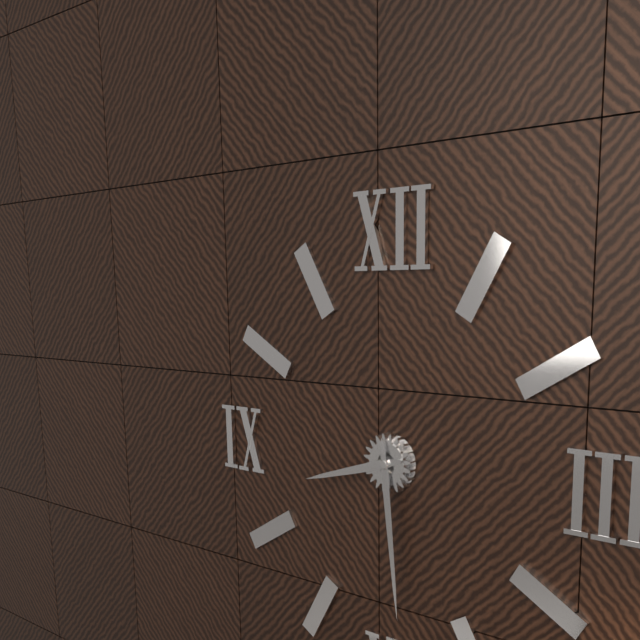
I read {"hour": 8, "minute": 29}
